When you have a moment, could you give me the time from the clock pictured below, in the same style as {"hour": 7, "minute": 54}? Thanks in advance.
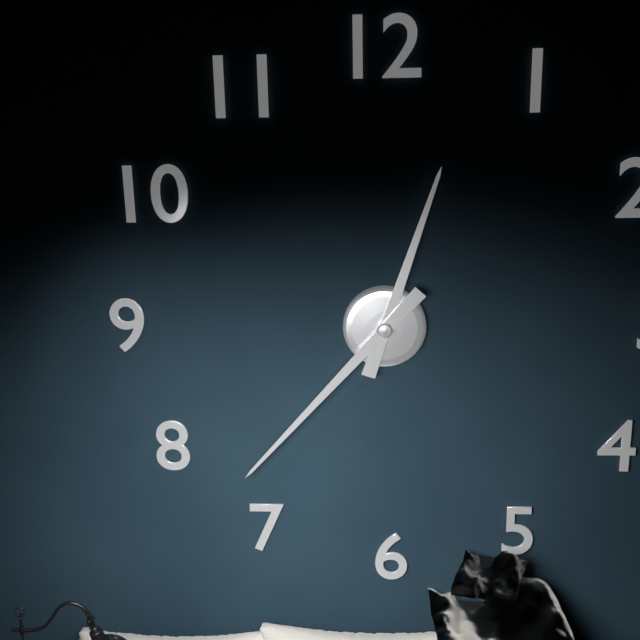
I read {"hour": 12, "minute": 37}
